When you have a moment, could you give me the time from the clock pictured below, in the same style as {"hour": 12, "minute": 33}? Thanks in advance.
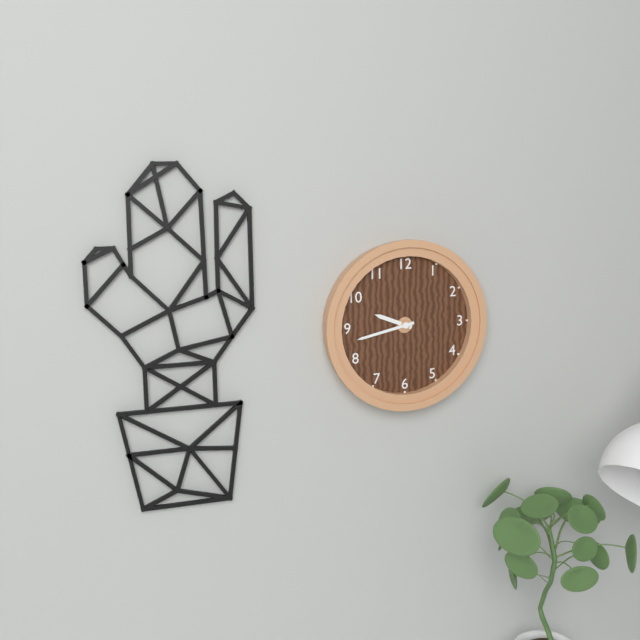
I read {"hour": 9, "minute": 43}
